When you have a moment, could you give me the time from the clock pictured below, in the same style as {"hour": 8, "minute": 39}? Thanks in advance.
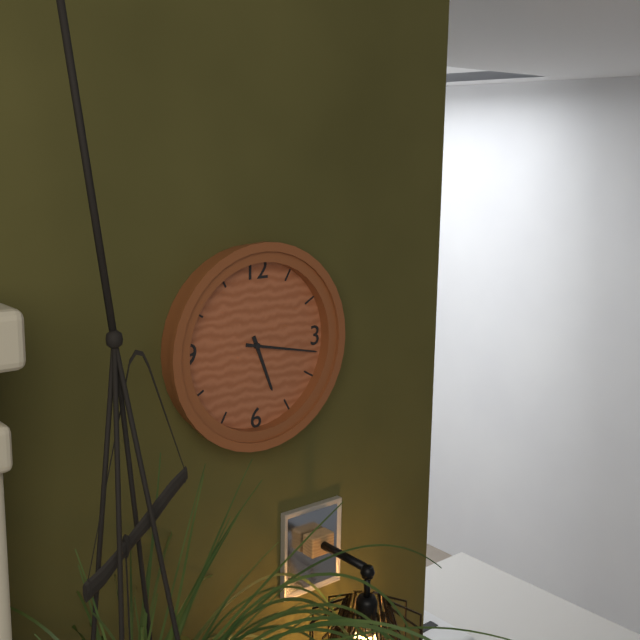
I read {"hour": 5, "minute": 17}
